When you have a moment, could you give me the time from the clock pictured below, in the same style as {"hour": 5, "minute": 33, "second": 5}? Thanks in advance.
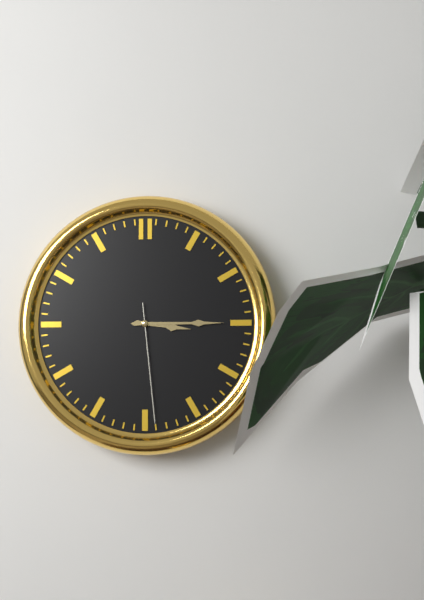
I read {"hour": 3, "minute": 15, "second": 29}
